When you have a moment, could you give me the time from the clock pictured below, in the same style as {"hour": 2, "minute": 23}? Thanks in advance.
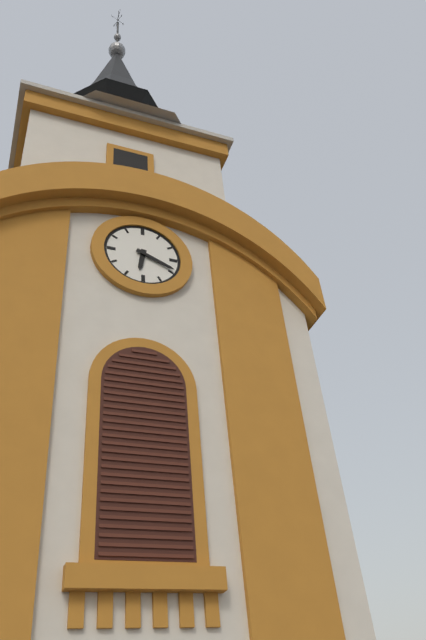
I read {"hour": 6, "minute": 19}
